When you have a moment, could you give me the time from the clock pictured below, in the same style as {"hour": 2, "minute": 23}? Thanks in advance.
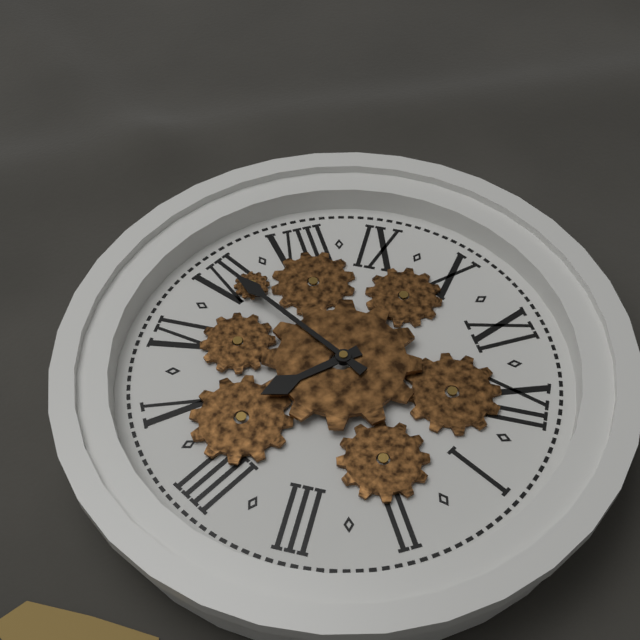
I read {"hour": 4, "minute": 35}
